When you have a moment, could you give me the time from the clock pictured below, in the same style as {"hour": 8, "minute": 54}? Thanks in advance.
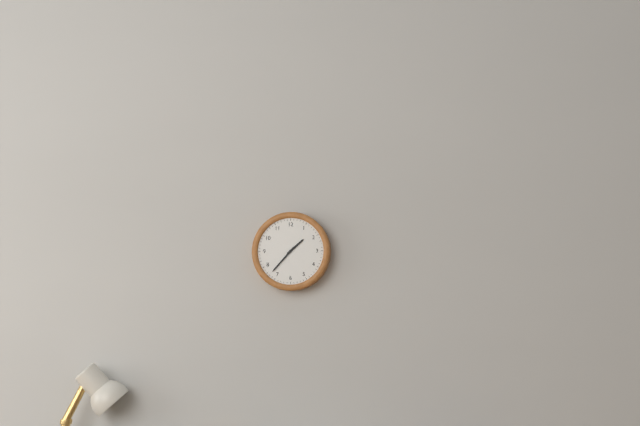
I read {"hour": 1, "minute": 37}
